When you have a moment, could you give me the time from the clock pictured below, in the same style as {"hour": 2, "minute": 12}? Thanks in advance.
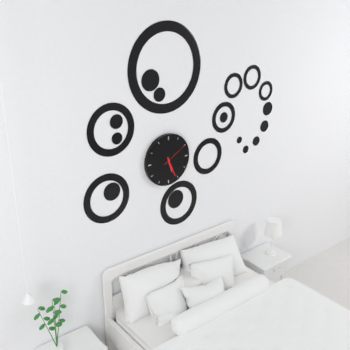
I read {"hour": 5, "minute": 26}
